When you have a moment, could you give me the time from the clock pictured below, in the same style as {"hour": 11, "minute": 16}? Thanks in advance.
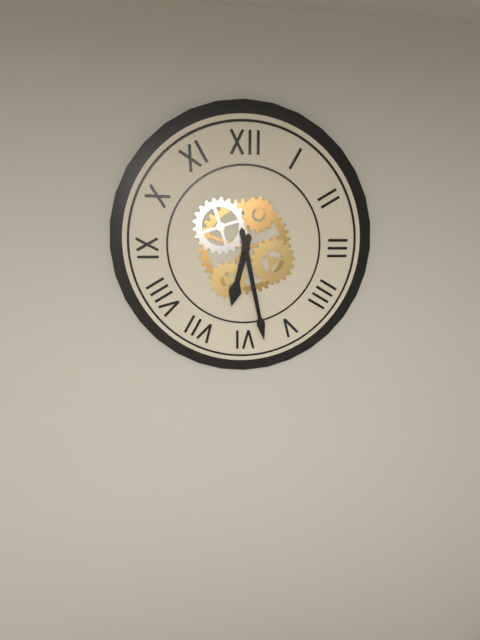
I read {"hour": 6, "minute": 28}
